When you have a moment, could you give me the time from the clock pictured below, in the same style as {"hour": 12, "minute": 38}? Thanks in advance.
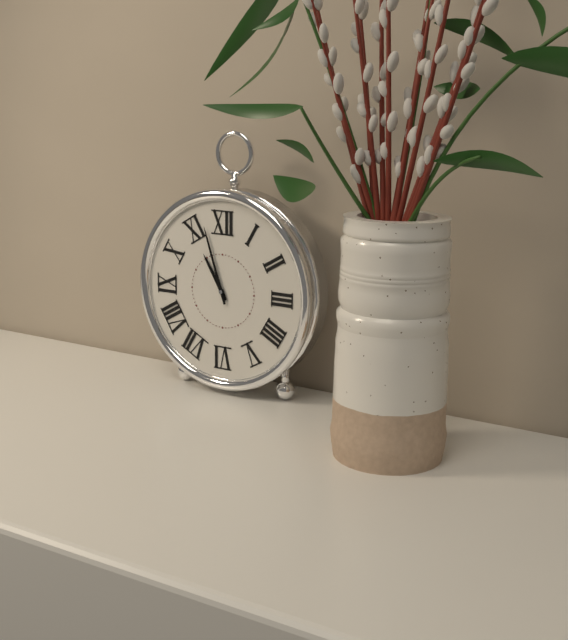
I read {"hour": 10, "minute": 57}
